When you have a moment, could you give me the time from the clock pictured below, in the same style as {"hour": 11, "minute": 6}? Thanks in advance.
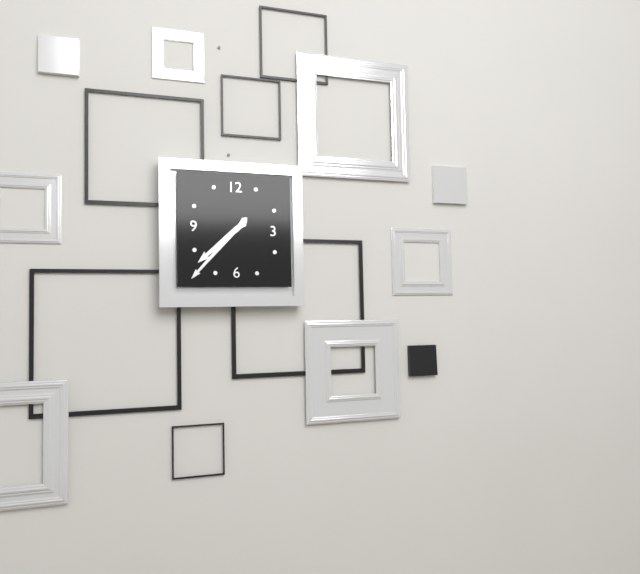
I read {"hour": 7, "minute": 37}
